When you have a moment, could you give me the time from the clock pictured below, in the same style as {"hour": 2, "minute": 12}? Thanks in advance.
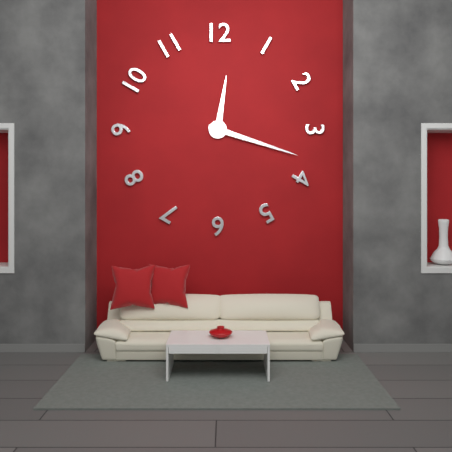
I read {"hour": 12, "minute": 18}
